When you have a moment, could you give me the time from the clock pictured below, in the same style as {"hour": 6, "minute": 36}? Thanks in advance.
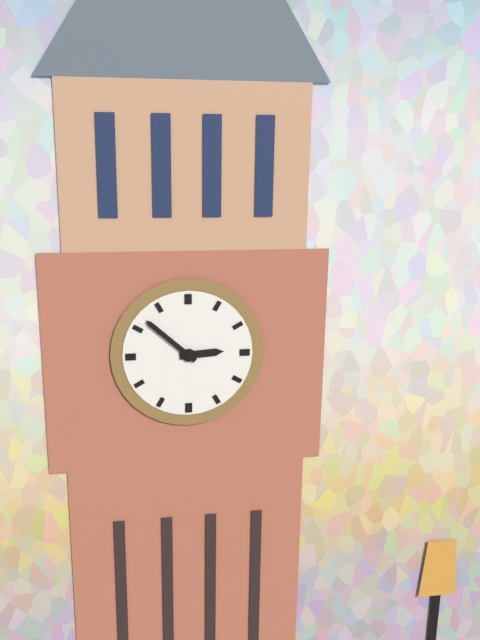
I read {"hour": 2, "minute": 52}
